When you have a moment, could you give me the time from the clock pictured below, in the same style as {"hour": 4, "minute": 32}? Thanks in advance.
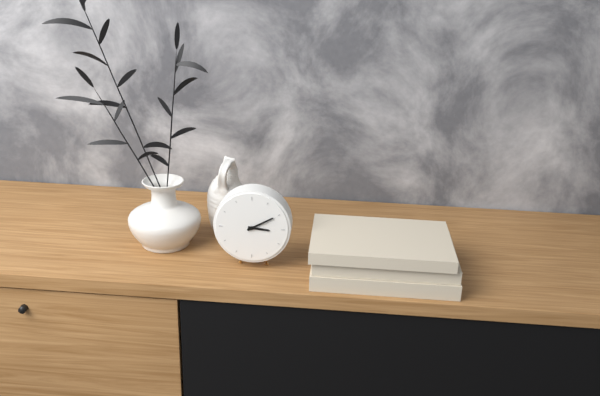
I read {"hour": 3, "minute": 10}
